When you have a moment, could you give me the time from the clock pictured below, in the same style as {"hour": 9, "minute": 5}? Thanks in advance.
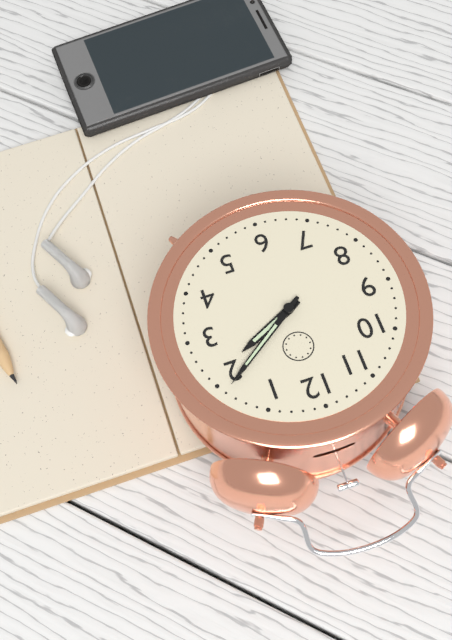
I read {"hour": 2, "minute": 9}
